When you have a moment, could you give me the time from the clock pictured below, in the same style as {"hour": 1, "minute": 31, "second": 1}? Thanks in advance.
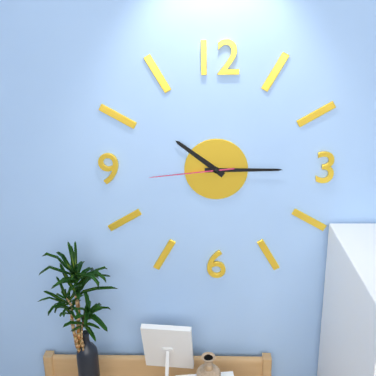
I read {"hour": 10, "minute": 15, "second": 44}
